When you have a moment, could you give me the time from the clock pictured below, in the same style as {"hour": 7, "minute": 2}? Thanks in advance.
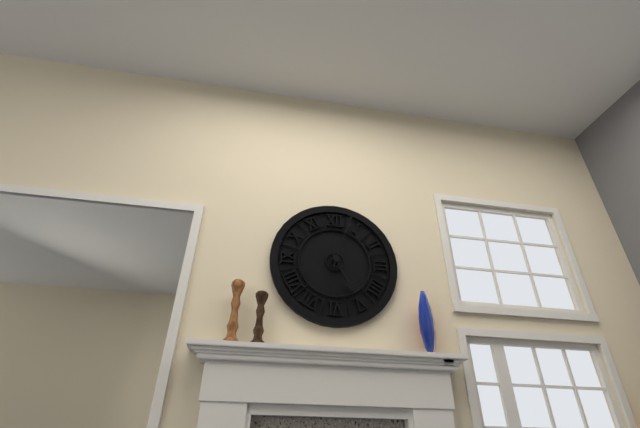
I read {"hour": 5, "minute": 3}
